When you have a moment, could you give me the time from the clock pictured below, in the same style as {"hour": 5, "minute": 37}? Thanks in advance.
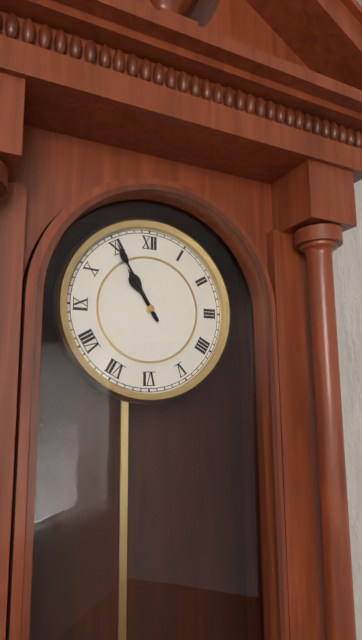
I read {"hour": 10, "minute": 55}
